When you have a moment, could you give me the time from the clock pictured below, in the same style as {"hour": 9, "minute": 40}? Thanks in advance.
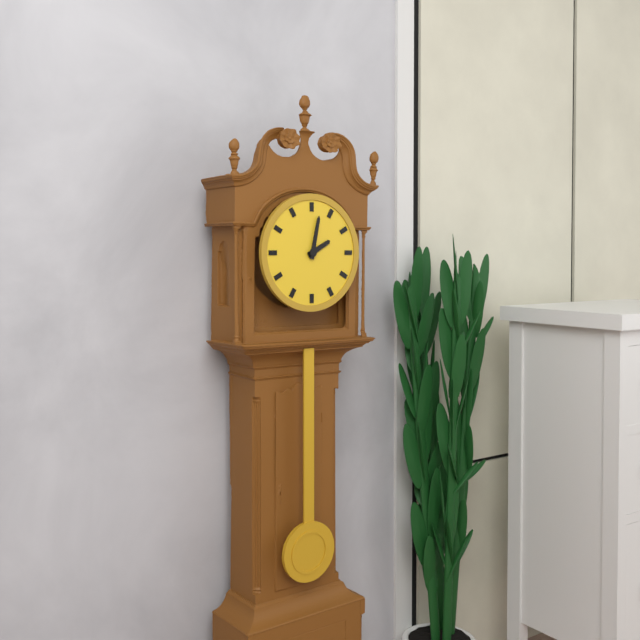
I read {"hour": 2, "minute": 2}
